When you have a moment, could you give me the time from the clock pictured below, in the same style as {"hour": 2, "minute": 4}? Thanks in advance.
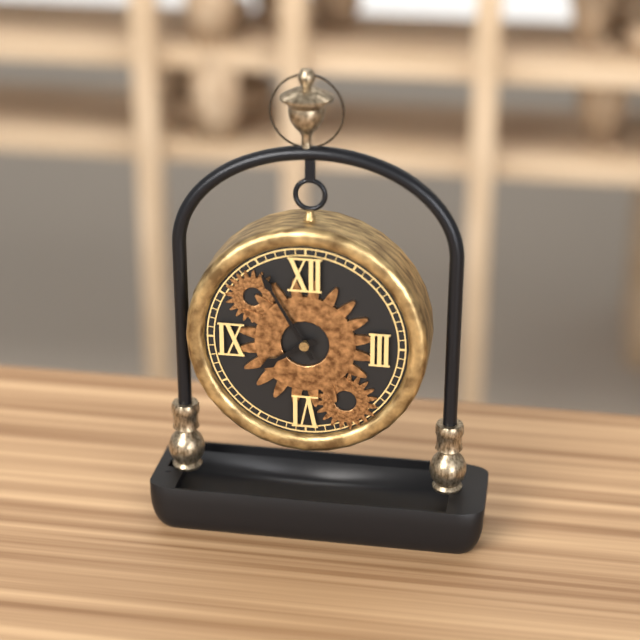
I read {"hour": 7, "minute": 55}
